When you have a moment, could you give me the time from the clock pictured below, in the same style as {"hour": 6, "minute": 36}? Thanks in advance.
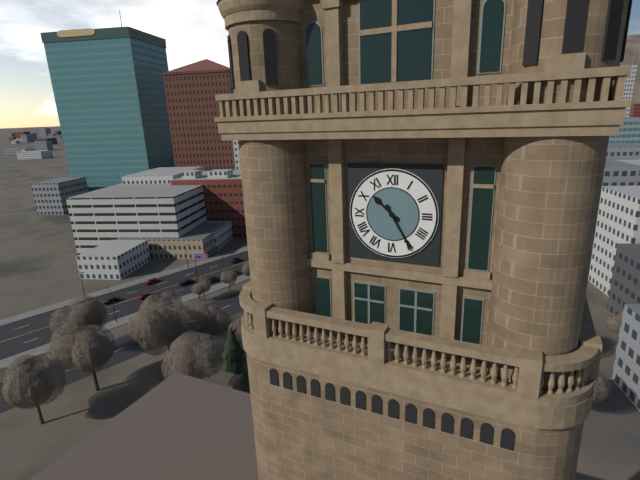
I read {"hour": 10, "minute": 25}
